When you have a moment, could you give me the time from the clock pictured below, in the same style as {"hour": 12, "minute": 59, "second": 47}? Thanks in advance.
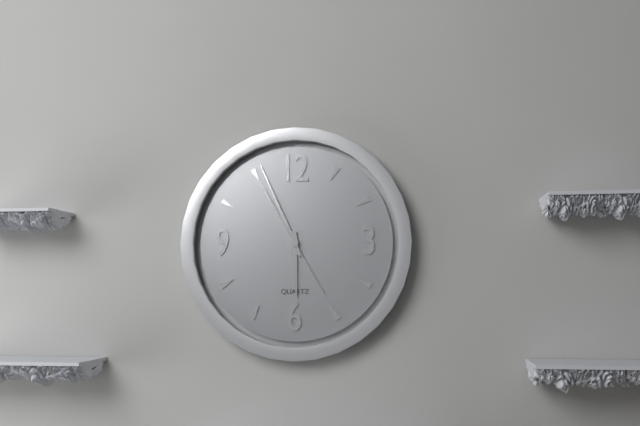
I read {"hour": 5, "minute": 56, "second": 55}
